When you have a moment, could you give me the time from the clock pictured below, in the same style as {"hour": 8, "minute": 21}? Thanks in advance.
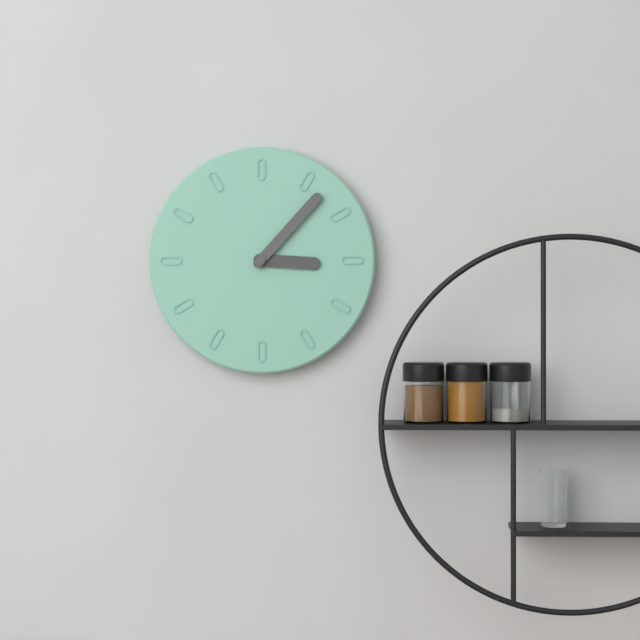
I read {"hour": 3, "minute": 7}
